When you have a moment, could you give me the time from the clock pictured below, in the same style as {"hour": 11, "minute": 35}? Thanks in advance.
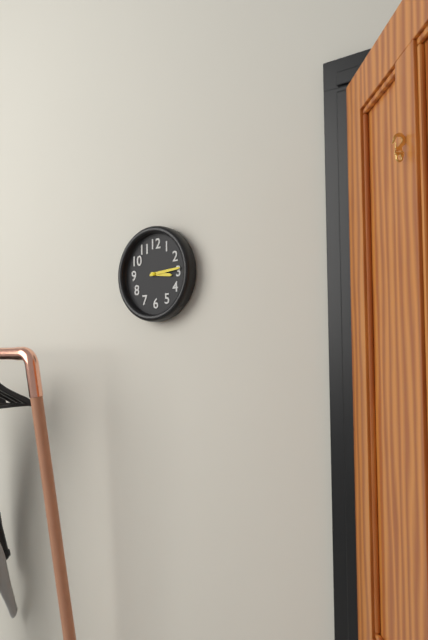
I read {"hour": 3, "minute": 14}
